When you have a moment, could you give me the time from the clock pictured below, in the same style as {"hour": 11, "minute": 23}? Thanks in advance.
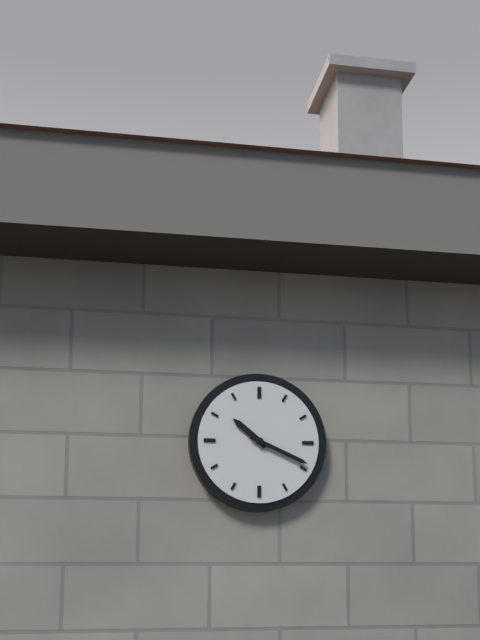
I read {"hour": 10, "minute": 19}
